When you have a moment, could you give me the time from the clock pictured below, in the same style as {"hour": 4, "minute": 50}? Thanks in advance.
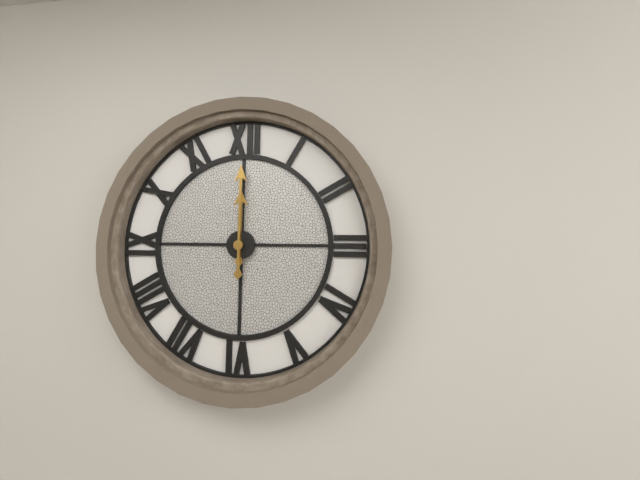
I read {"hour": 12, "minute": 0}
